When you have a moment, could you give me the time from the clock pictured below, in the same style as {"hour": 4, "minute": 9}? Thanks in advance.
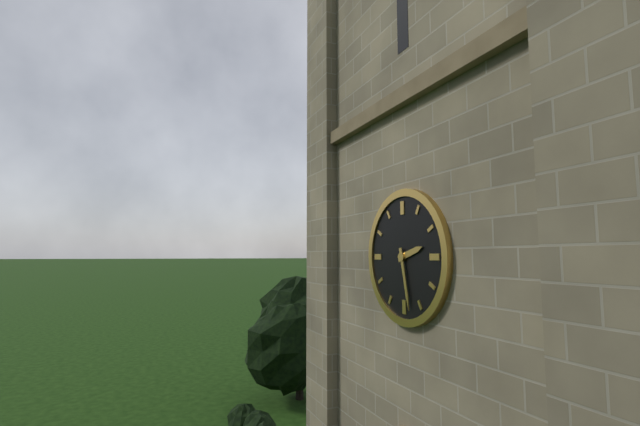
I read {"hour": 2, "minute": 28}
